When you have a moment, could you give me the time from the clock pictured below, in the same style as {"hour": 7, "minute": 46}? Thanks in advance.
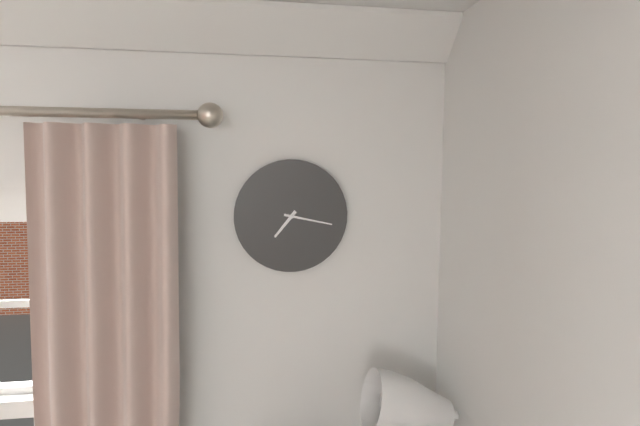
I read {"hour": 7, "minute": 17}
